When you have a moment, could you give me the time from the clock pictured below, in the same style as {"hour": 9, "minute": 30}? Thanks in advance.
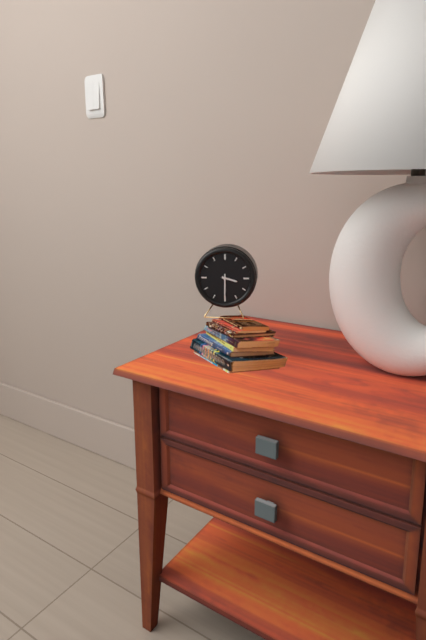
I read {"hour": 3, "minute": 30}
